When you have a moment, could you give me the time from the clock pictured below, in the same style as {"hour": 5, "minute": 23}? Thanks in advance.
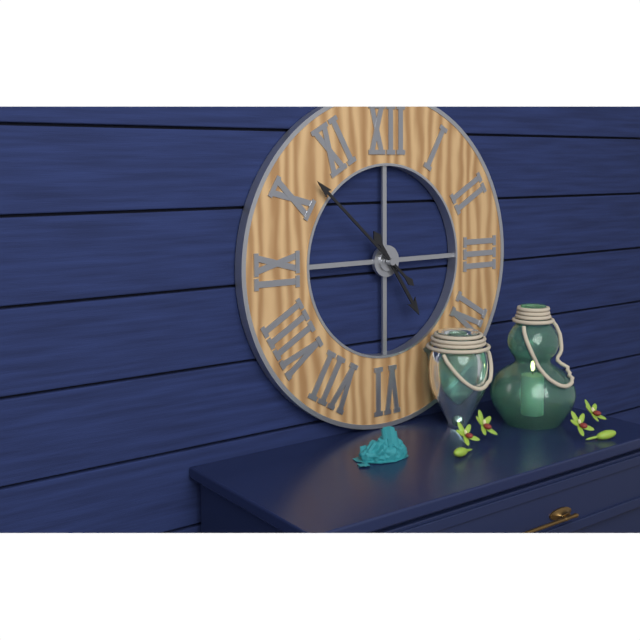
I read {"hour": 4, "minute": 52}
